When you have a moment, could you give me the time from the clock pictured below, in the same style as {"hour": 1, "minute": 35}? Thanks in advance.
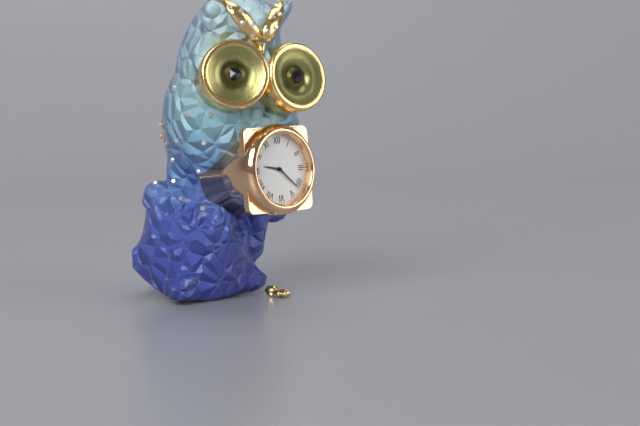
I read {"hour": 9, "minute": 22}
